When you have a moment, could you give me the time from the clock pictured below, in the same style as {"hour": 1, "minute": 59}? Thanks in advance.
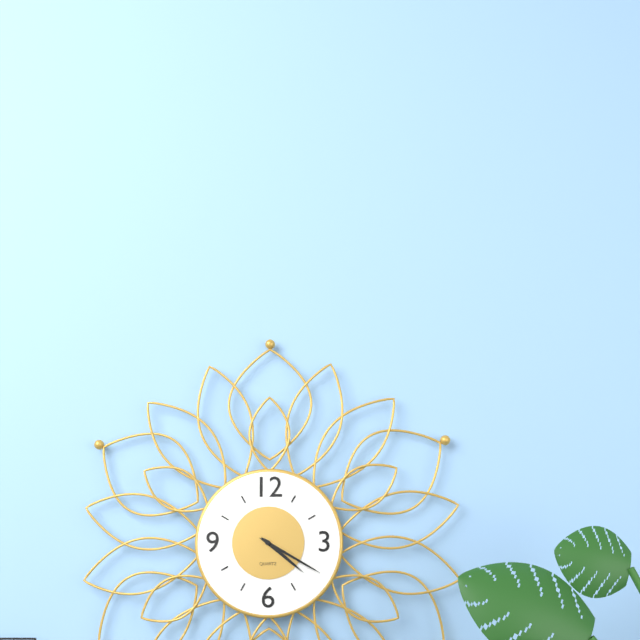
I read {"hour": 4, "minute": 20}
